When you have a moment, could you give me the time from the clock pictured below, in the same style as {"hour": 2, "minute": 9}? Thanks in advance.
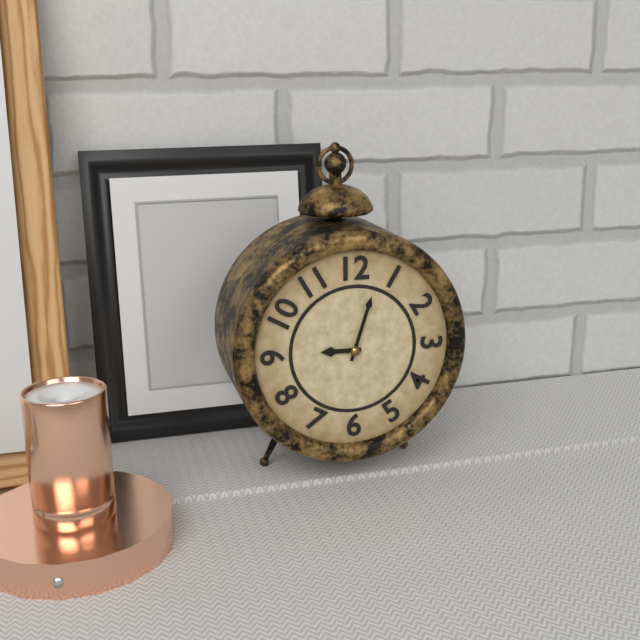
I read {"hour": 9, "minute": 3}
